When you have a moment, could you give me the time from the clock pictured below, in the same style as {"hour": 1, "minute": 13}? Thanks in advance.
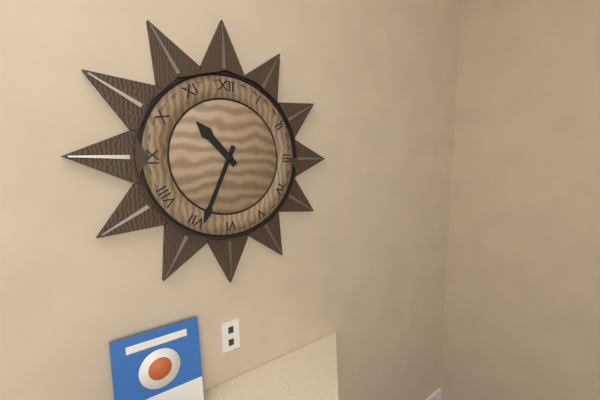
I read {"hour": 10, "minute": 34}
